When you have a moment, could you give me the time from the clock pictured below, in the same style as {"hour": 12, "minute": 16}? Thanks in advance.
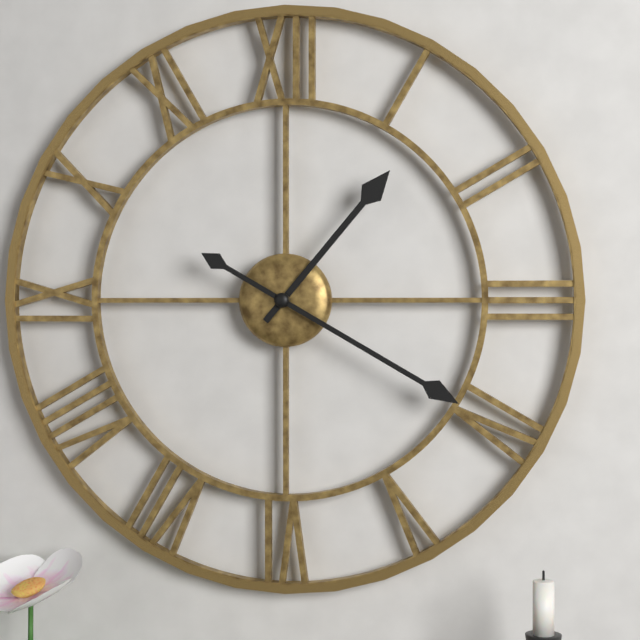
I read {"hour": 1, "minute": 20}
